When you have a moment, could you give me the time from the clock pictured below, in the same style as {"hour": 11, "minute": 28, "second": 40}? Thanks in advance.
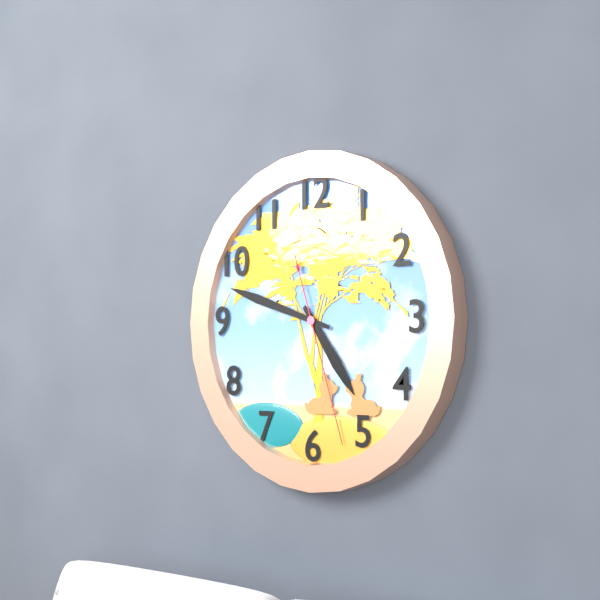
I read {"hour": 4, "minute": 48, "second": 27}
